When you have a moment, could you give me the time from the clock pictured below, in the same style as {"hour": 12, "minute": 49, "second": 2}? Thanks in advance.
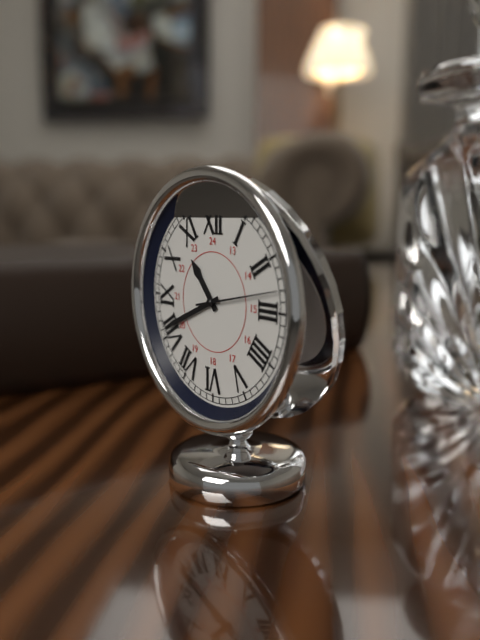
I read {"hour": 10, "minute": 41, "second": 13}
